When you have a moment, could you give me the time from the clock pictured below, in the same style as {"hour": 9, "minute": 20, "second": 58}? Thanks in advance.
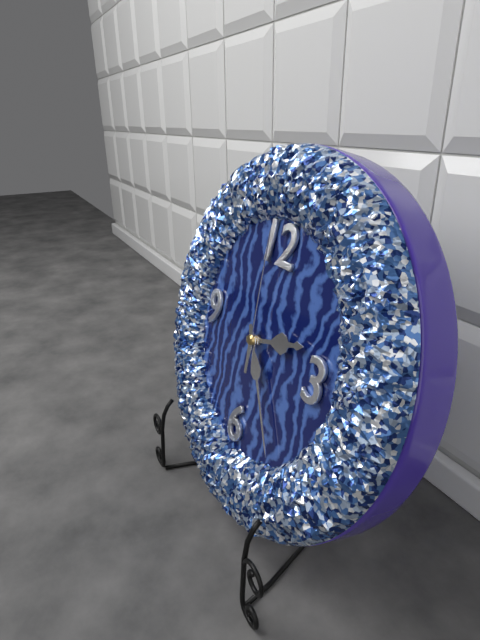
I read {"hour": 2, "minute": 24, "second": 59}
